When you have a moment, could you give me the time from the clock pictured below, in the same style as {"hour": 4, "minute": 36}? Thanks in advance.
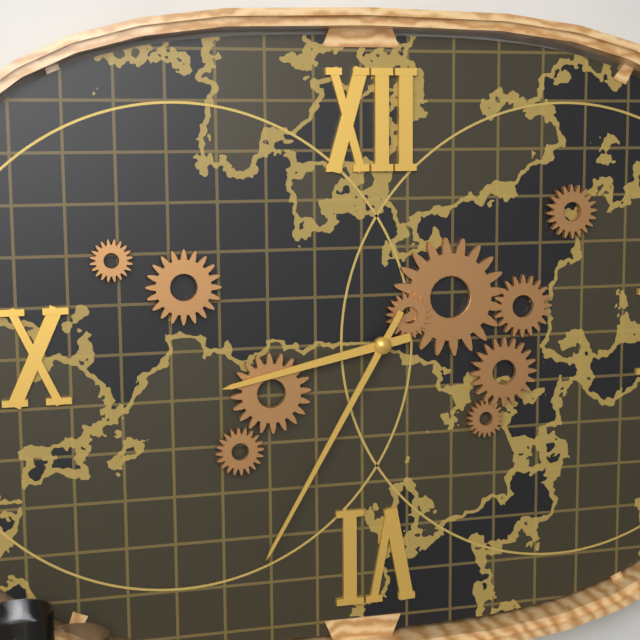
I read {"hour": 8, "minute": 35}
